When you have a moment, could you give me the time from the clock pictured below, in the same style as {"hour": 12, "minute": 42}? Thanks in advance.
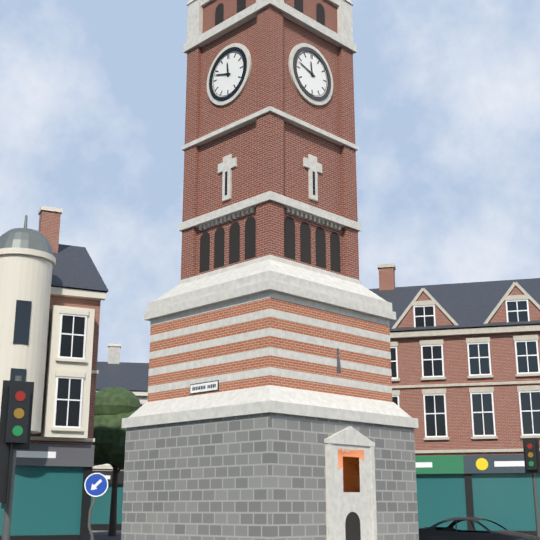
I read {"hour": 11, "minute": 48}
